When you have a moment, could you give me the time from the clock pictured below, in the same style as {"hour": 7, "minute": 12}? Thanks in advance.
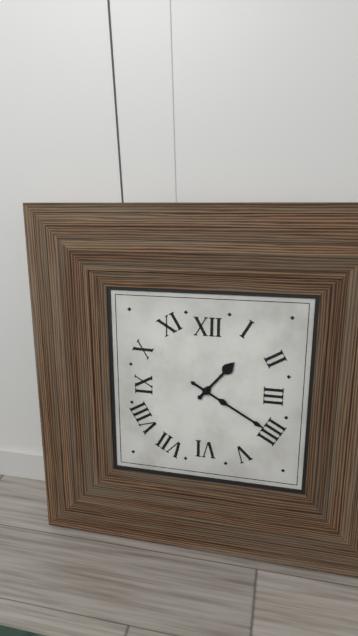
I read {"hour": 1, "minute": 20}
